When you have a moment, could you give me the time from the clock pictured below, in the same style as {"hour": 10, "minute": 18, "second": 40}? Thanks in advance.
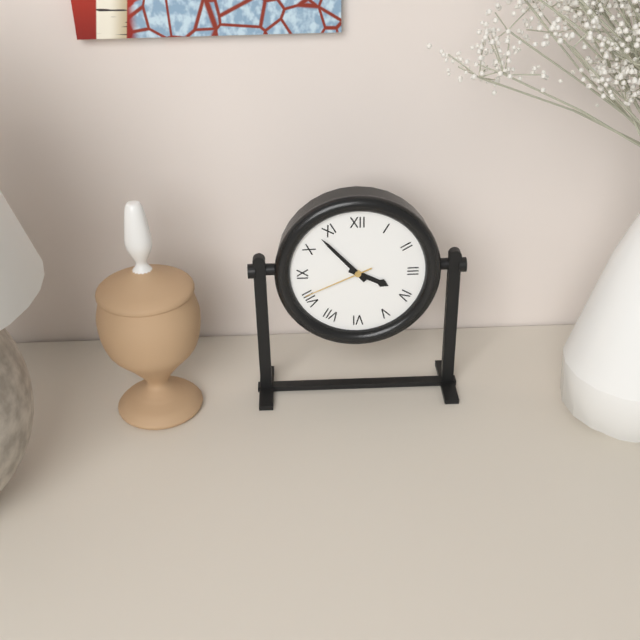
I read {"hour": 3, "minute": 53, "second": 41}
